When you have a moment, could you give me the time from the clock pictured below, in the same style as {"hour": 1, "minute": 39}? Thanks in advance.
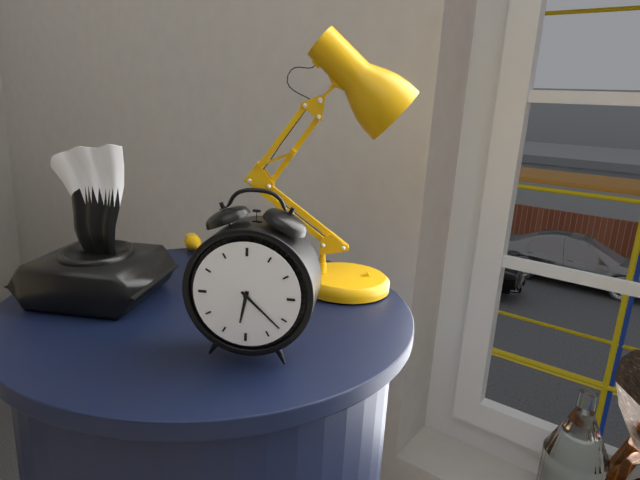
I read {"hour": 6, "minute": 22}
